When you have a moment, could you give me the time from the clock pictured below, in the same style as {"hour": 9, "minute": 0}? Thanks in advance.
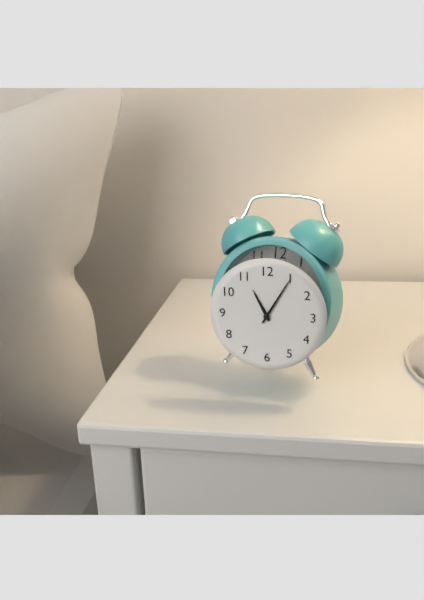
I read {"hour": 11, "minute": 5}
